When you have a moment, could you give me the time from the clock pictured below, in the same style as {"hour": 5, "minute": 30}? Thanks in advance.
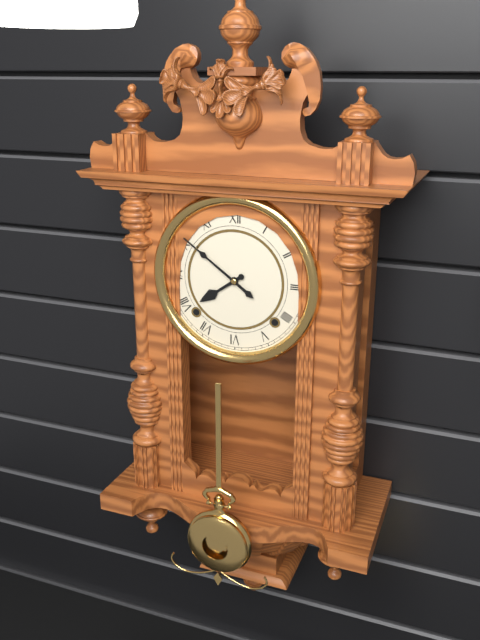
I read {"hour": 7, "minute": 51}
